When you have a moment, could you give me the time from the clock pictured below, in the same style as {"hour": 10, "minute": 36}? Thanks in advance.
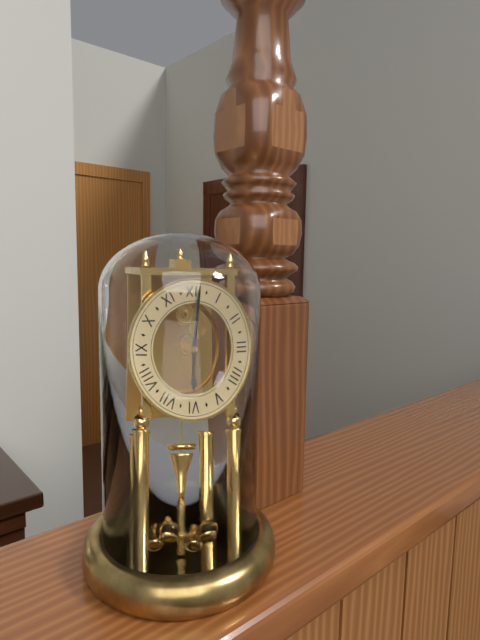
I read {"hour": 6, "minute": 1}
